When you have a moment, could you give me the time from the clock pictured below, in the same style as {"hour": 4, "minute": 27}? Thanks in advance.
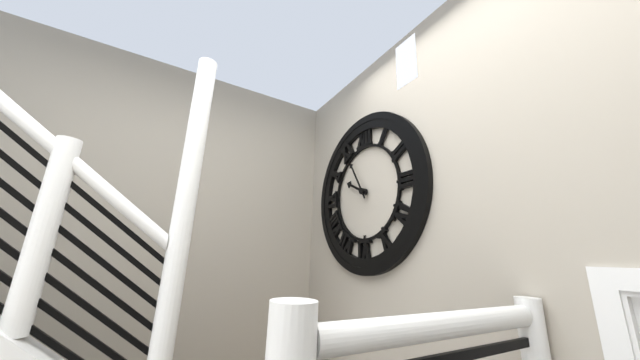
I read {"hour": 9, "minute": 55}
